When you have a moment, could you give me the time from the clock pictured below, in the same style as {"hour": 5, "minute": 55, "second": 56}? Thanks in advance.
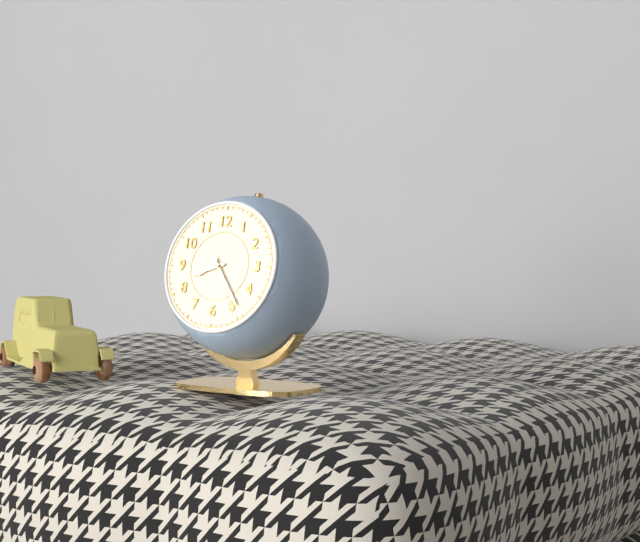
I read {"hour": 8, "minute": 24, "second": 26}
